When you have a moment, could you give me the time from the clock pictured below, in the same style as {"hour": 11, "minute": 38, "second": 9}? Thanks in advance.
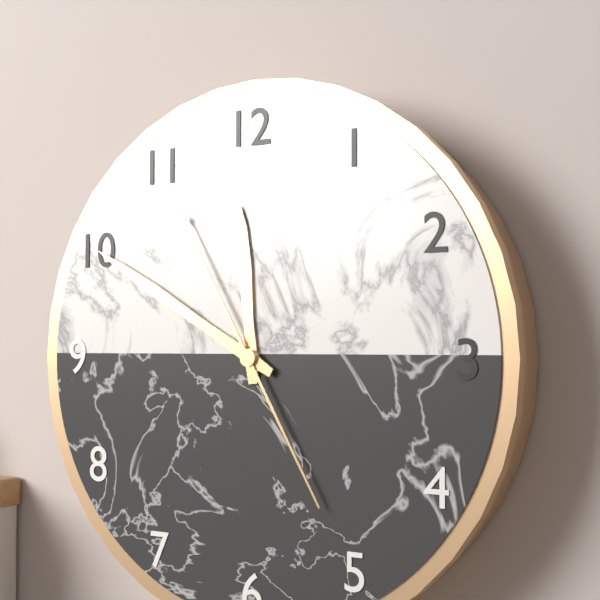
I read {"hour": 11, "minute": 50, "second": 55}
